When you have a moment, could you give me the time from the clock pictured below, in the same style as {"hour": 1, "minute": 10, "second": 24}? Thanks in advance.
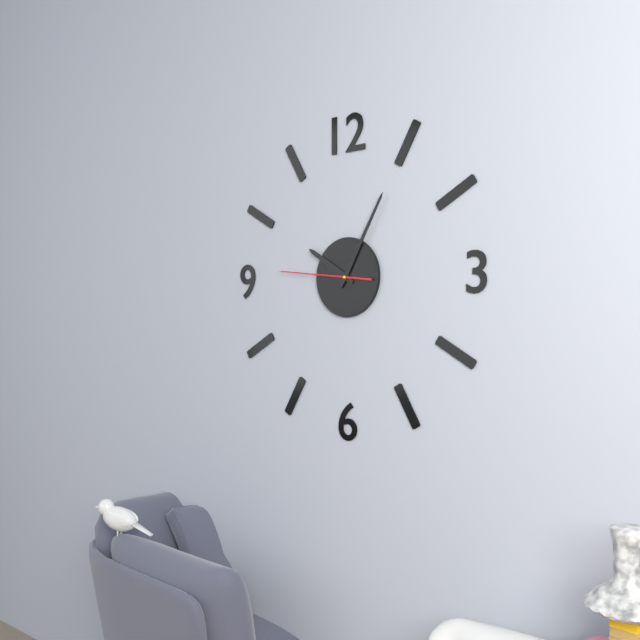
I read {"hour": 10, "minute": 5, "second": 46}
